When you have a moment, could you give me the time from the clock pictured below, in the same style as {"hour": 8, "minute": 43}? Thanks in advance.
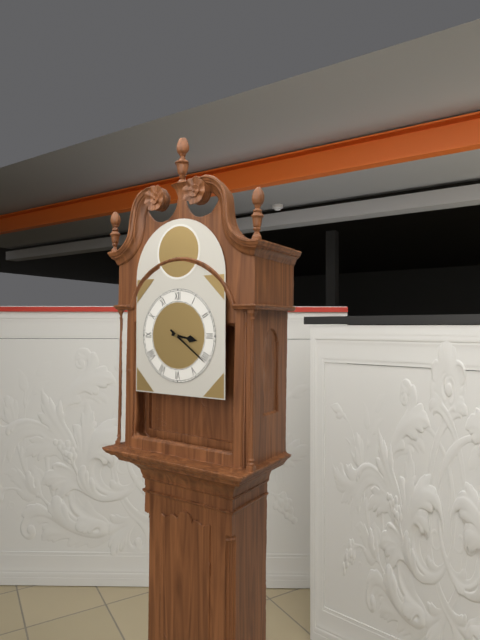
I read {"hour": 3, "minute": 21}
